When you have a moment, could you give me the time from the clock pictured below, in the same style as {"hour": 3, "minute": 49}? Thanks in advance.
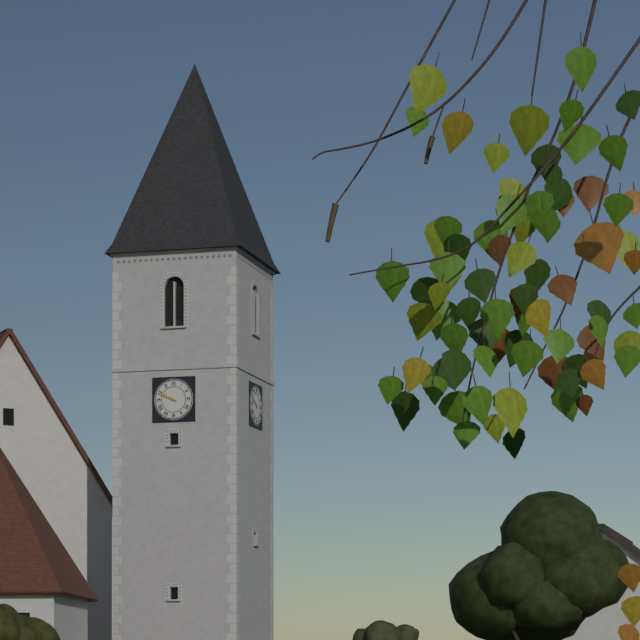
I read {"hour": 9, "minute": 49}
